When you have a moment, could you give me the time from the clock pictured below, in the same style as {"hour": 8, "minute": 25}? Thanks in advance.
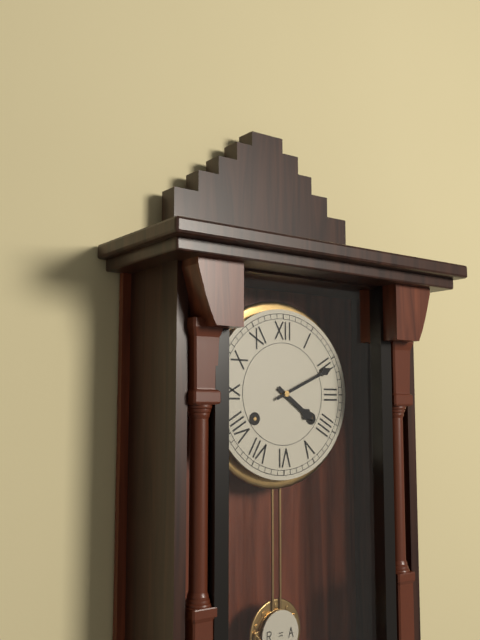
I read {"hour": 4, "minute": 11}
